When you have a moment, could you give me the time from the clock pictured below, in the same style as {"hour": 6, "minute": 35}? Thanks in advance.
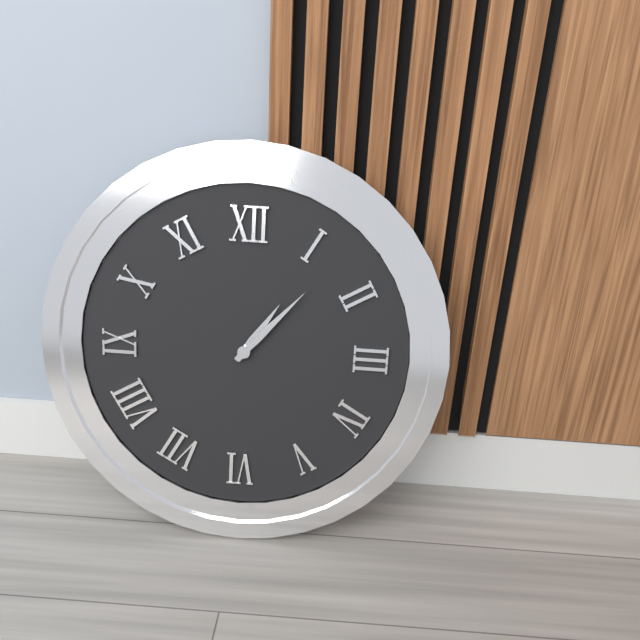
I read {"hour": 1, "minute": 7}
